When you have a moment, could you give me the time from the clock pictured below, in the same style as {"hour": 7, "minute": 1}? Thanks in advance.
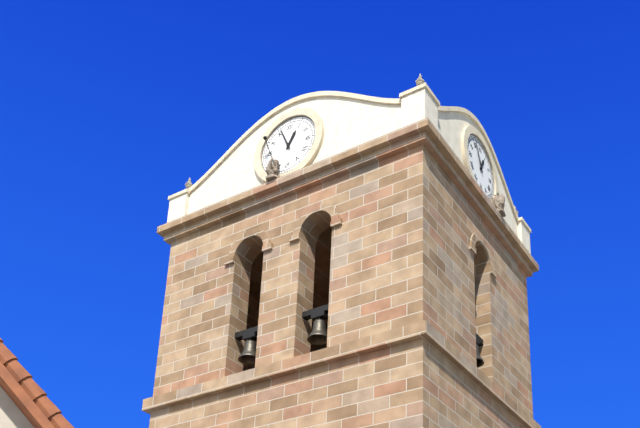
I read {"hour": 12, "minute": 56}
